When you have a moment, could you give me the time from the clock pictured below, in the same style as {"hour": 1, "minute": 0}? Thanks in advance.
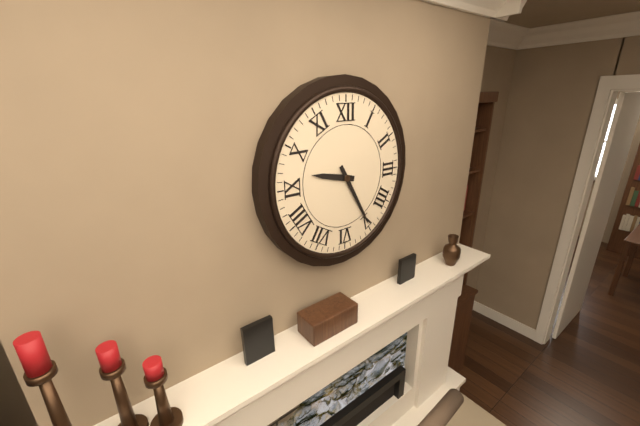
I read {"hour": 9, "minute": 25}
